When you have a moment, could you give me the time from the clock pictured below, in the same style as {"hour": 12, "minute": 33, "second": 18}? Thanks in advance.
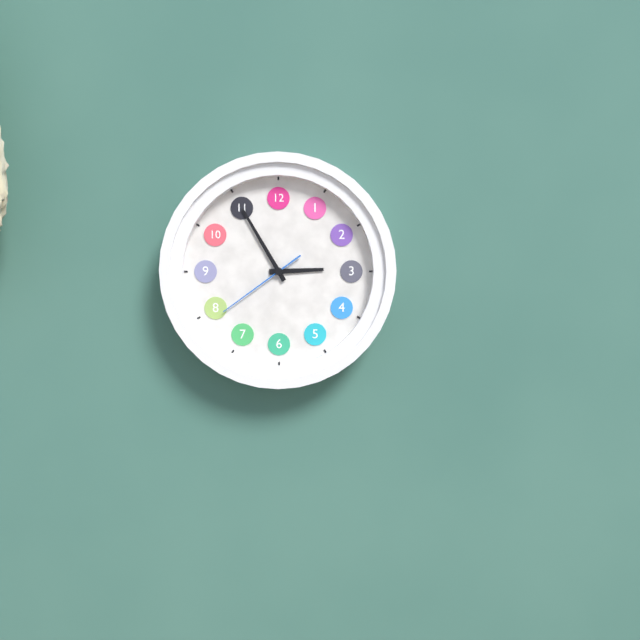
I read {"hour": 2, "minute": 55, "second": 39}
